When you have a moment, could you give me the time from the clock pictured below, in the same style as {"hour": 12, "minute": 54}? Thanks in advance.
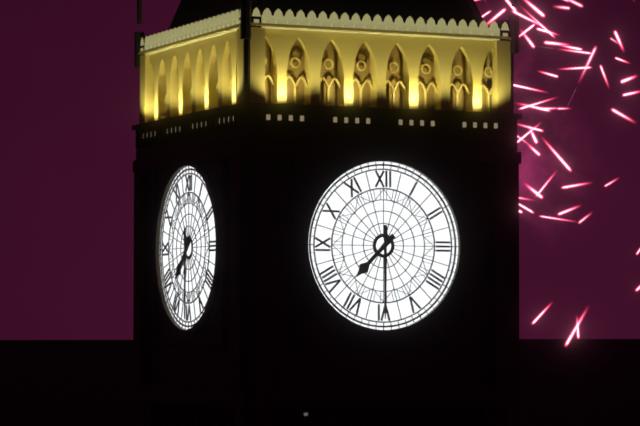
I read {"hour": 7, "minute": 30}
